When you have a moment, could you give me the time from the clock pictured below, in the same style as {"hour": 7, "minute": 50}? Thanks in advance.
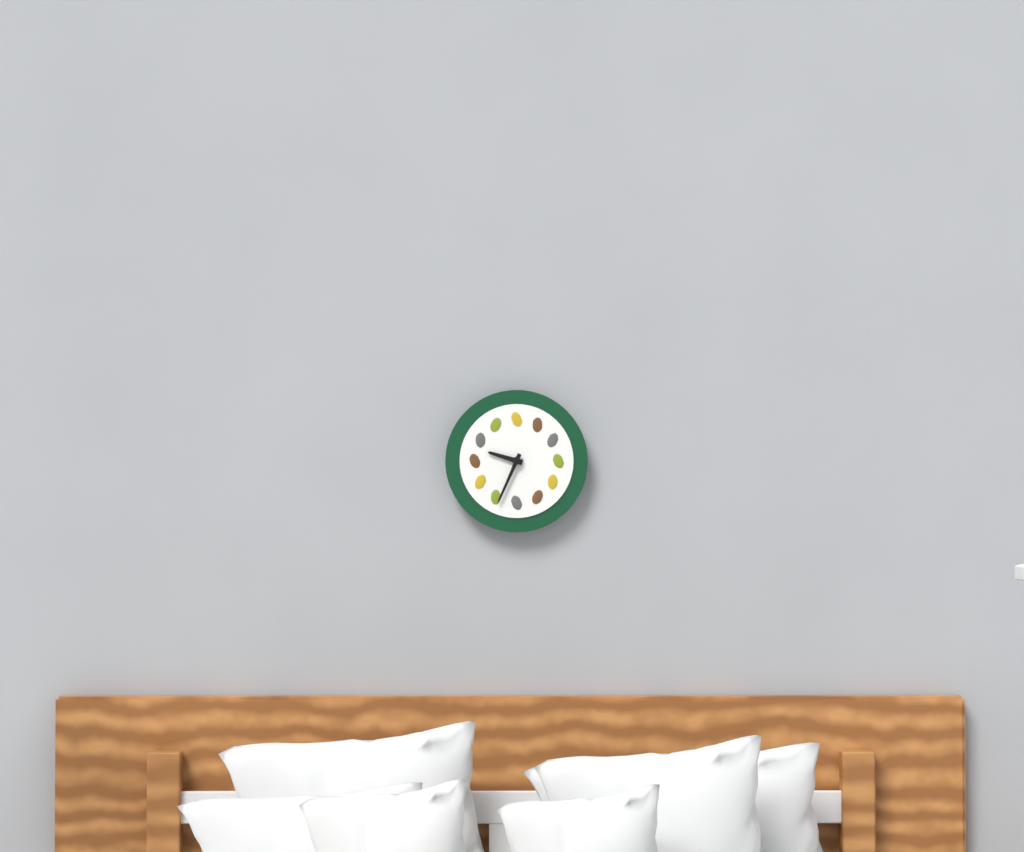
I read {"hour": 9, "minute": 34}
